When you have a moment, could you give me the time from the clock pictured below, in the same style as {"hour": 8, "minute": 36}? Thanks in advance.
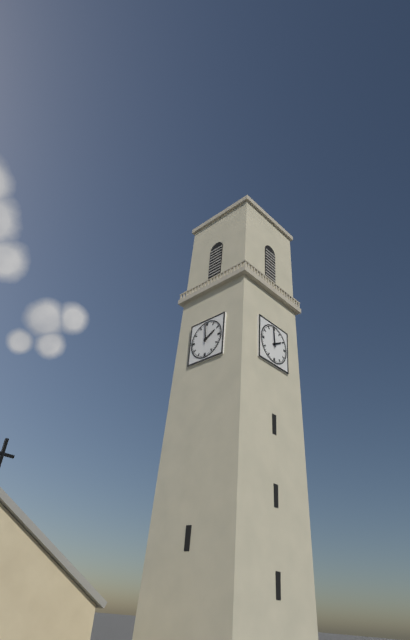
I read {"hour": 1, "minute": 59}
